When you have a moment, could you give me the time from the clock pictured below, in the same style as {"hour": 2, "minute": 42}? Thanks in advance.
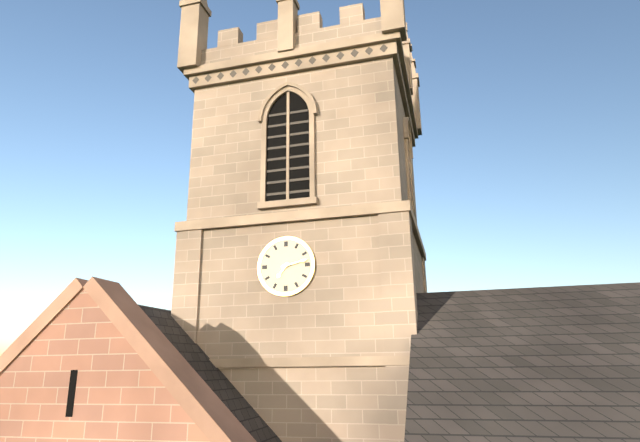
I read {"hour": 7, "minute": 13}
